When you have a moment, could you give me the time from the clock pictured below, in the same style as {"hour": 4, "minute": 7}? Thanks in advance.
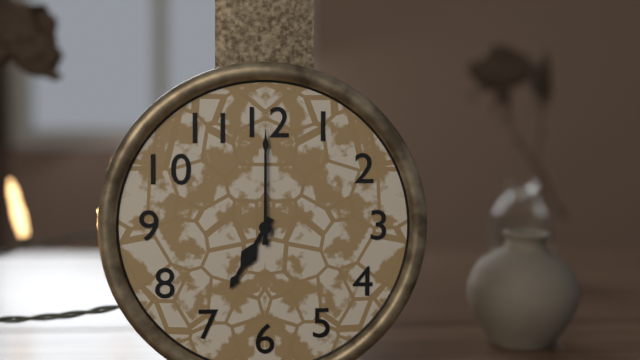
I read {"hour": 7, "minute": 0}
